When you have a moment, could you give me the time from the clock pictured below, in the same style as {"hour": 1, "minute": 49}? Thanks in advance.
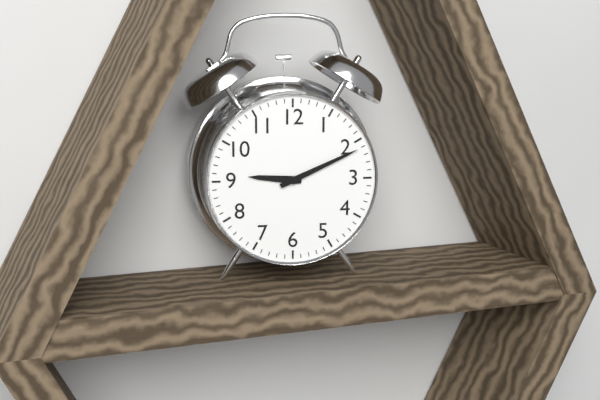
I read {"hour": 9, "minute": 11}
